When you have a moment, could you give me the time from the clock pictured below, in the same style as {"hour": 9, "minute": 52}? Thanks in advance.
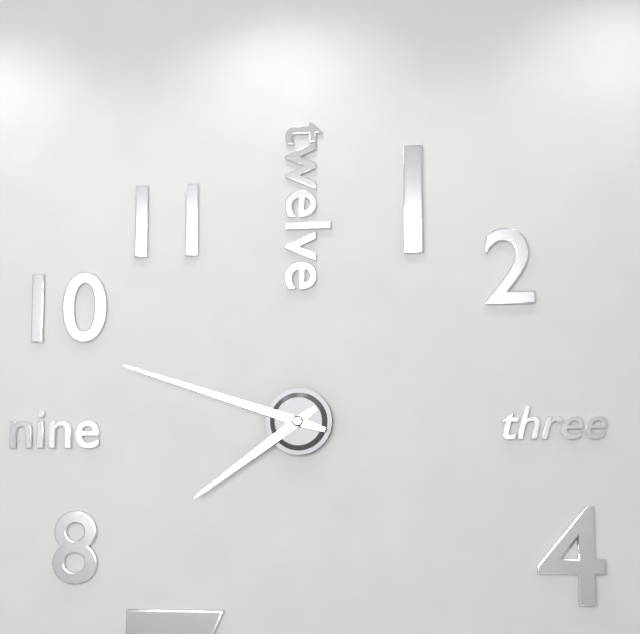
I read {"hour": 7, "minute": 48}
